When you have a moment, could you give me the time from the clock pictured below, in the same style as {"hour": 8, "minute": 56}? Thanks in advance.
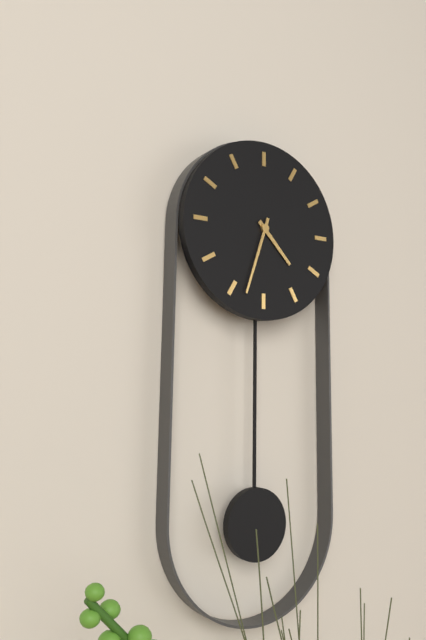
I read {"hour": 4, "minute": 33}
